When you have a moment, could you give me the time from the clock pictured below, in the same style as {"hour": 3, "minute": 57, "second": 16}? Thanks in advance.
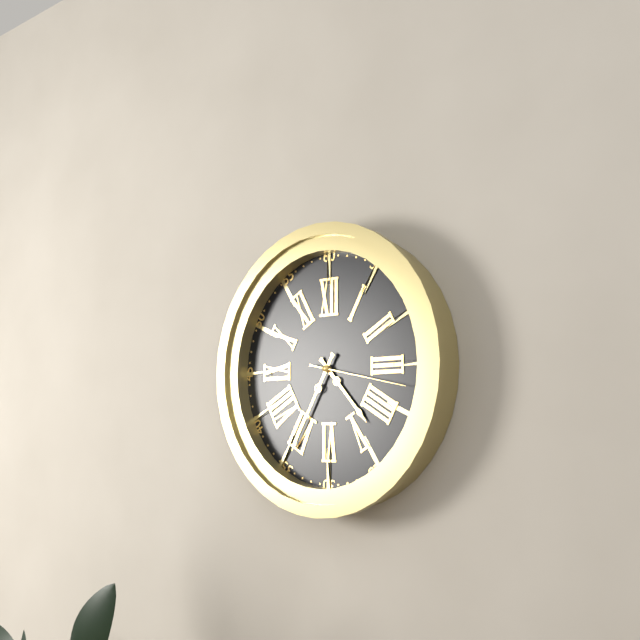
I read {"hour": 4, "minute": 35, "second": 17}
